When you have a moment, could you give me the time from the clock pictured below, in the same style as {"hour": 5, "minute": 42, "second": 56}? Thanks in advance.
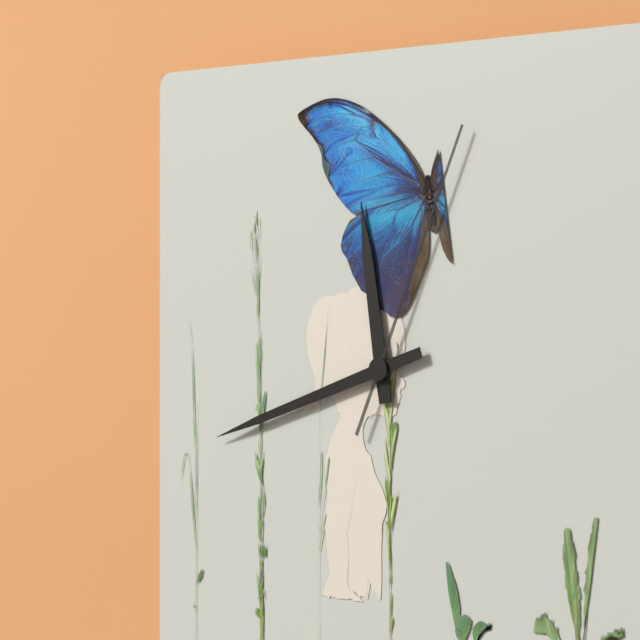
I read {"hour": 11, "minute": 42, "second": 4}
